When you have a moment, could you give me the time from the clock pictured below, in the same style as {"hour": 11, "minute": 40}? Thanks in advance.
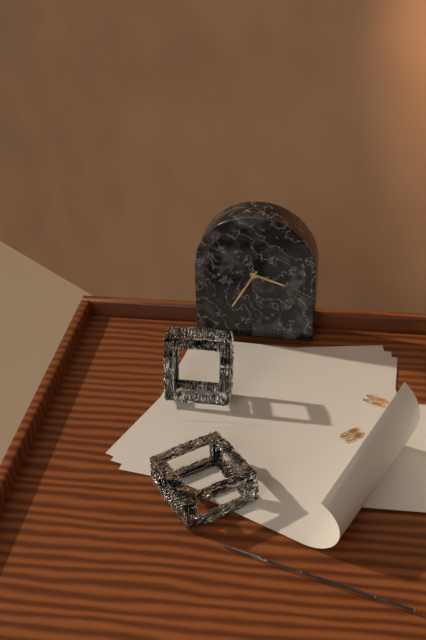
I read {"hour": 3, "minute": 35}
